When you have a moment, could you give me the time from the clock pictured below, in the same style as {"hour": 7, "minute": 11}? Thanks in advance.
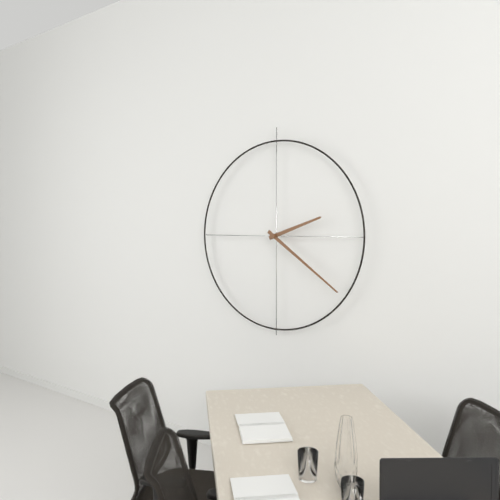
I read {"hour": 2, "minute": 21}
